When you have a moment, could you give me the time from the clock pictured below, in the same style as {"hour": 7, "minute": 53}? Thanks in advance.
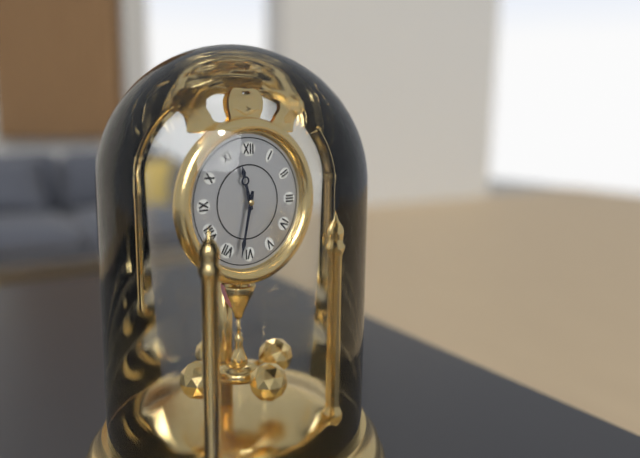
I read {"hour": 11, "minute": 32}
